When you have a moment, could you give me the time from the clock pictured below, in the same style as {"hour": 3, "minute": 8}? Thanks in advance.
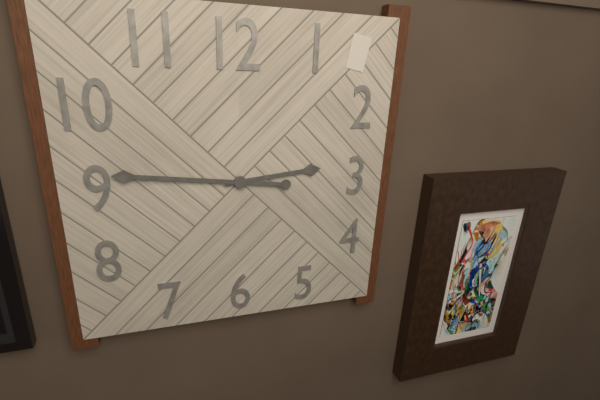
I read {"hour": 2, "minute": 46}
